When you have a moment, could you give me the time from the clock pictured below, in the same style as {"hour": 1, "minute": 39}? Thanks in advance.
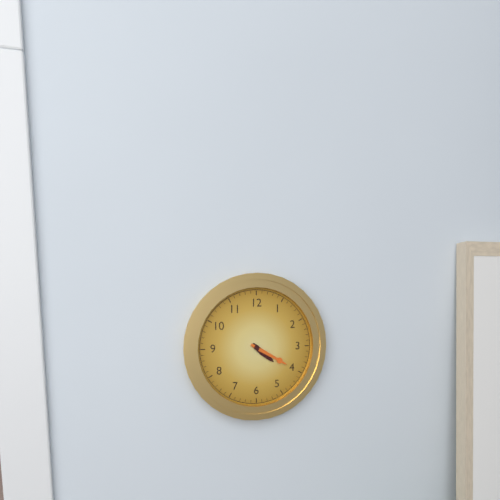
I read {"hour": 4, "minute": 20}
